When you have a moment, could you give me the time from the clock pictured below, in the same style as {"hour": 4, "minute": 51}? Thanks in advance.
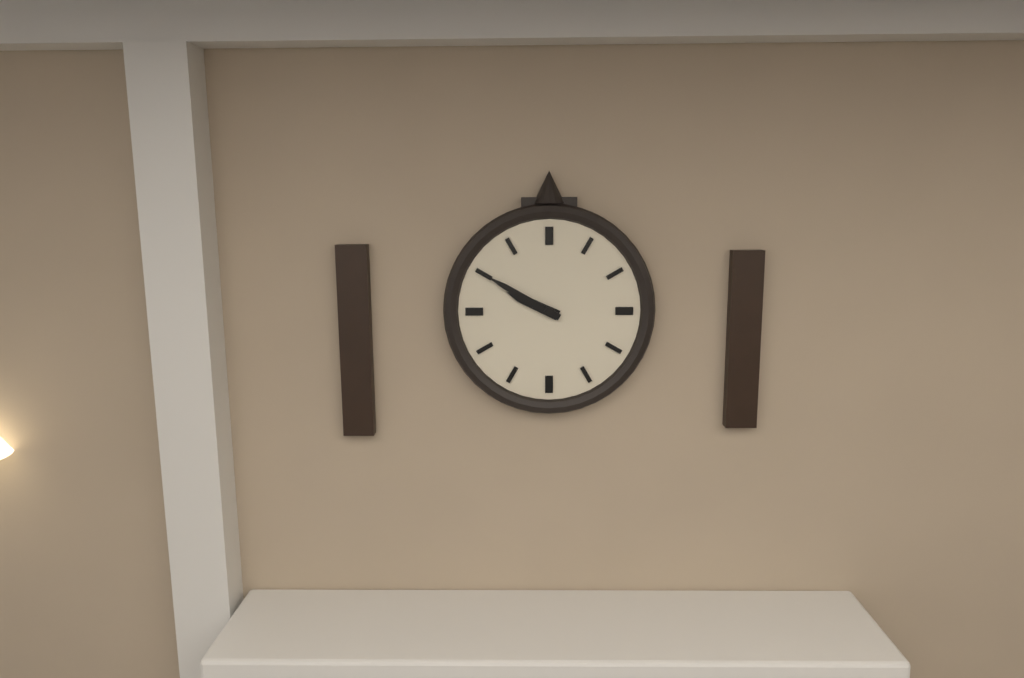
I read {"hour": 9, "minute": 50}
